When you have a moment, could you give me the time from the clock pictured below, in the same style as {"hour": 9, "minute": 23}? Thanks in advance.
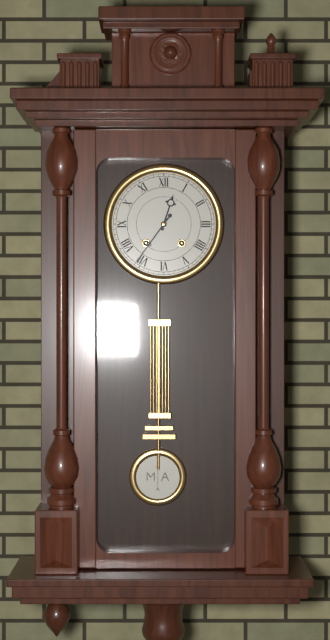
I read {"hour": 12, "minute": 36}
